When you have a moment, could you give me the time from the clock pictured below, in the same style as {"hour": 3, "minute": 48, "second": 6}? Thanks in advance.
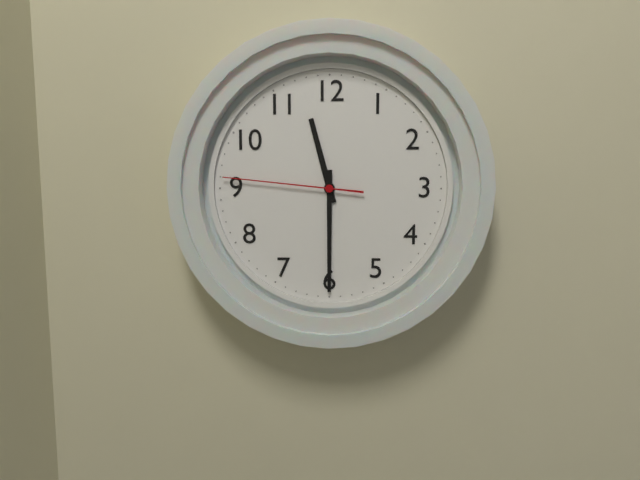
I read {"hour": 11, "minute": 30, "second": 46}
